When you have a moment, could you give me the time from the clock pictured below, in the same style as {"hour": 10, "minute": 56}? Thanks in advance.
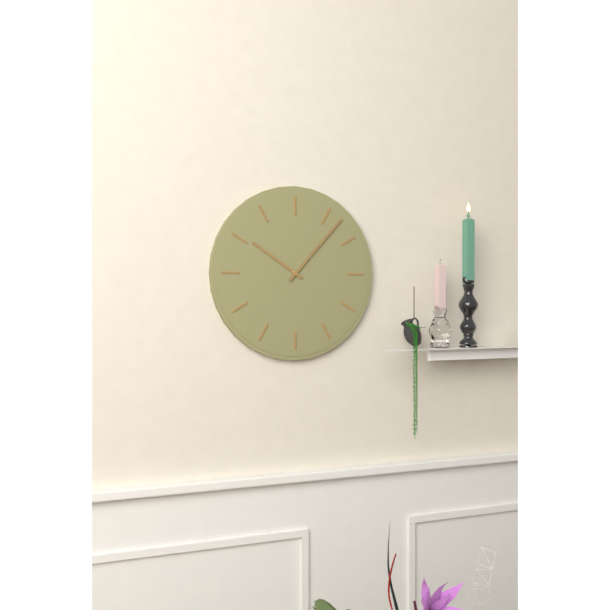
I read {"hour": 10, "minute": 7}
